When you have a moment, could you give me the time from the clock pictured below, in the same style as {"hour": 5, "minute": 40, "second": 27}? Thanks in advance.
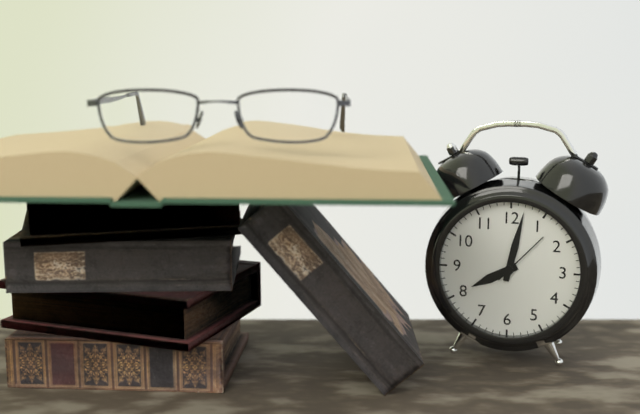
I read {"hour": 8, "minute": 2, "second": 7}
